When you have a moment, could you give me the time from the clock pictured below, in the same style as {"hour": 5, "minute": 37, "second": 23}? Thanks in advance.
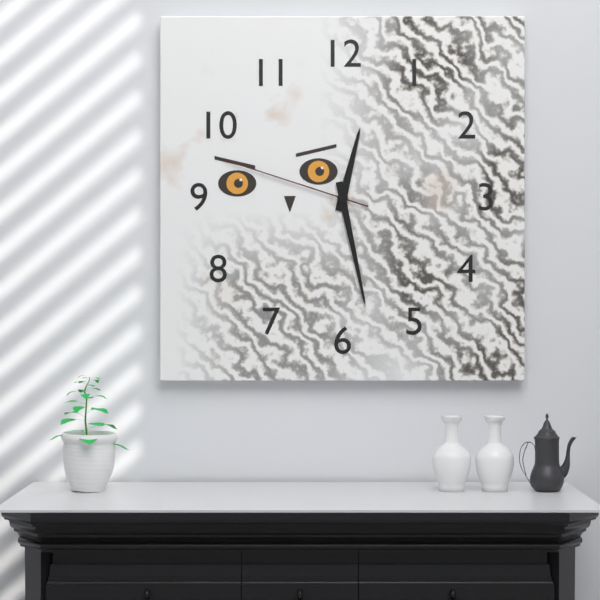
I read {"hour": 12, "minute": 28, "second": 48}
